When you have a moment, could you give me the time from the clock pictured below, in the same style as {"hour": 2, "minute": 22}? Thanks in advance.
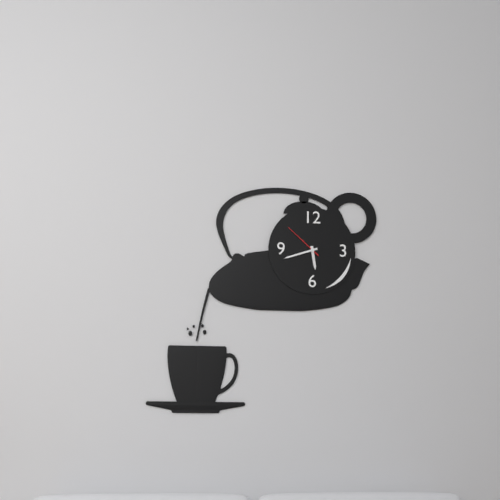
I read {"hour": 5, "minute": 42}
